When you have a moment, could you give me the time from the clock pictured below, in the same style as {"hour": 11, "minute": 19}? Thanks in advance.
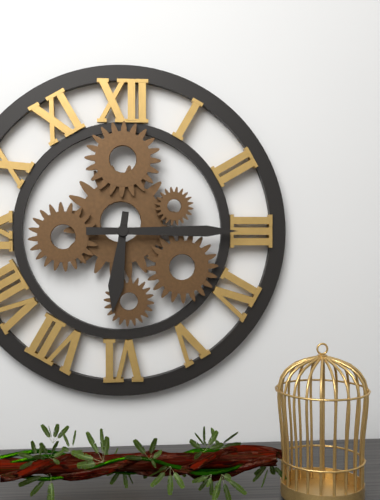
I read {"hour": 6, "minute": 15}
